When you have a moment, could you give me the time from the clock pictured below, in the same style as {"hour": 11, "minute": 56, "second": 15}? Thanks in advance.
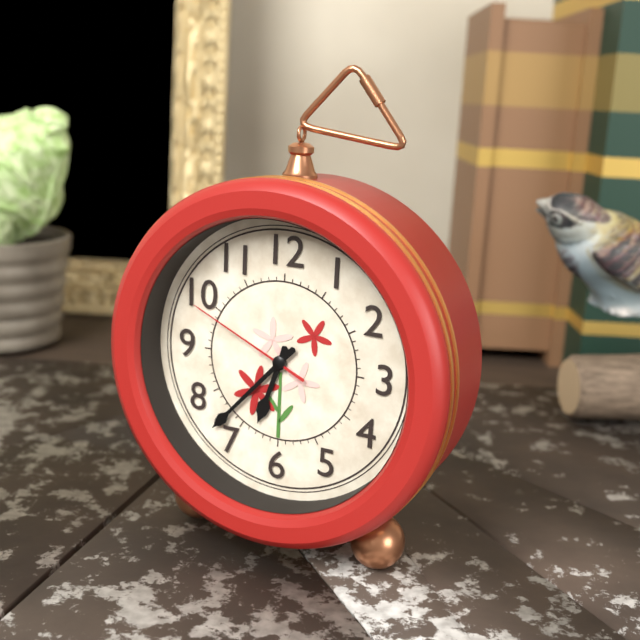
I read {"hour": 6, "minute": 37, "second": 49}
